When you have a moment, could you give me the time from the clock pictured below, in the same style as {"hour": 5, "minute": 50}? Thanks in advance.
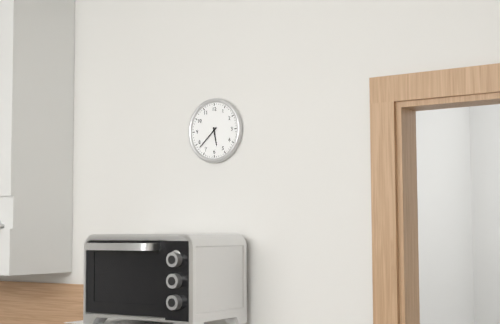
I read {"hour": 5, "minute": 38}
